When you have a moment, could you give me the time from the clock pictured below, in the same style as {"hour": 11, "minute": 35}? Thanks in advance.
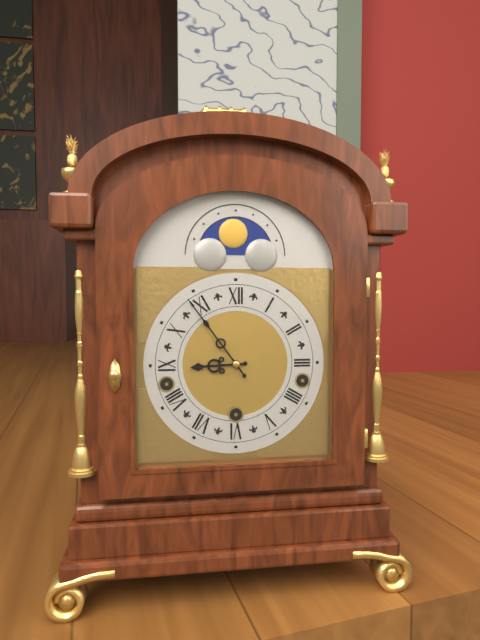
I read {"hour": 8, "minute": 54}
